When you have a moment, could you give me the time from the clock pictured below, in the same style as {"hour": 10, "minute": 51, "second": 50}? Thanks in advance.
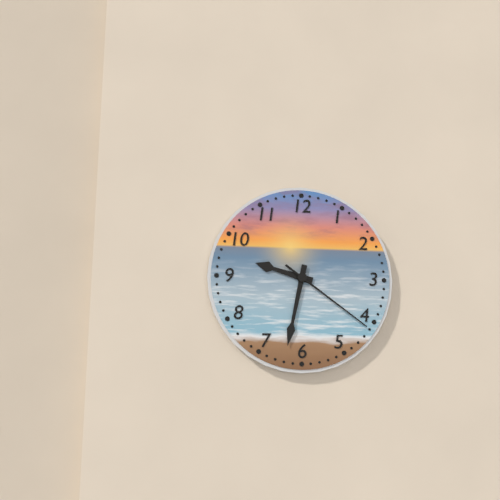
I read {"hour": 9, "minute": 32, "second": 21}
